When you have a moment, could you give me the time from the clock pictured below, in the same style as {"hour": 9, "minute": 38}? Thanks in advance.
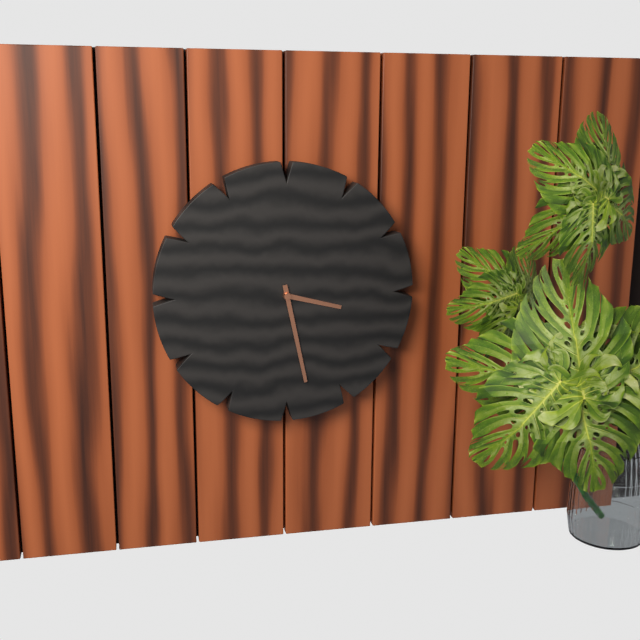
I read {"hour": 3, "minute": 28}
